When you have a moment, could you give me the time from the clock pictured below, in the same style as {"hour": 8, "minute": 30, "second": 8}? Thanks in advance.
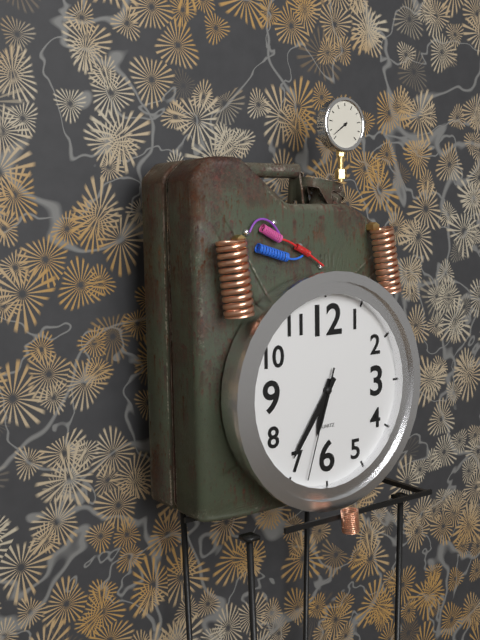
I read {"hour": 6, "minute": 36, "second": 33}
